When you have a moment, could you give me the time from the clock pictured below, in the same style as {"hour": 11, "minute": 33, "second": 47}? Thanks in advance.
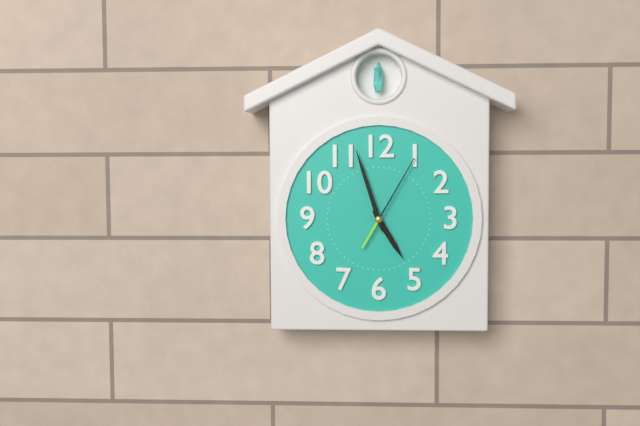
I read {"hour": 4, "minute": 57, "second": 5}
